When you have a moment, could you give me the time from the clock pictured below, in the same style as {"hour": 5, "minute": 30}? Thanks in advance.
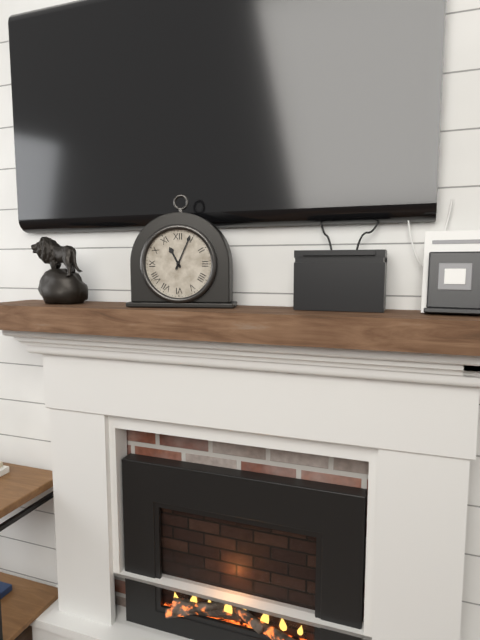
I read {"hour": 11, "minute": 4}
